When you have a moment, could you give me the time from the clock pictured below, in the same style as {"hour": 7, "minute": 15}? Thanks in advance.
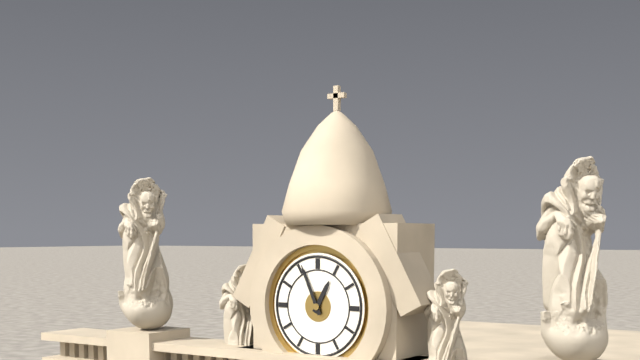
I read {"hour": 12, "minute": 56}
